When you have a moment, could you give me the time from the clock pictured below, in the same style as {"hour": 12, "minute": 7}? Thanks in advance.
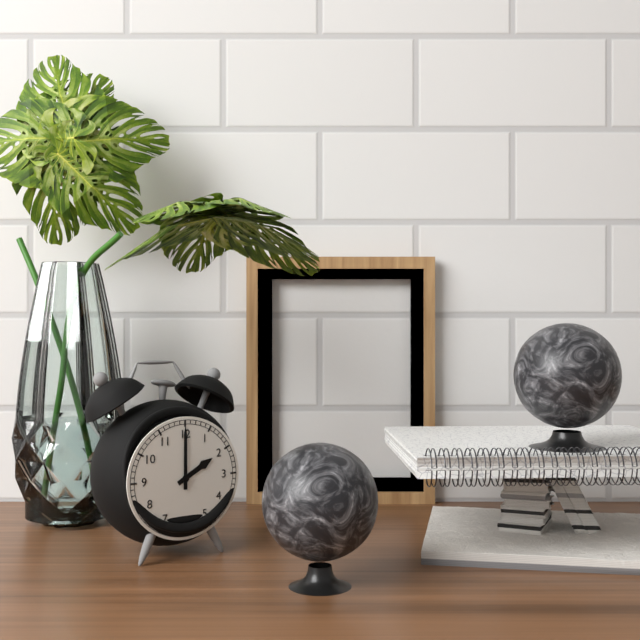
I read {"hour": 2, "minute": 0}
